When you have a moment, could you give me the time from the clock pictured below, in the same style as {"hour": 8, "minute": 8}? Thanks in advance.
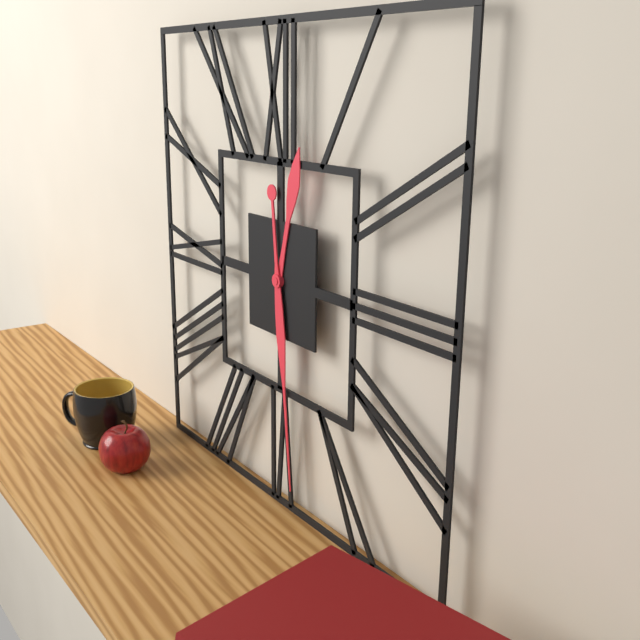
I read {"hour": 12, "minute": 29}
